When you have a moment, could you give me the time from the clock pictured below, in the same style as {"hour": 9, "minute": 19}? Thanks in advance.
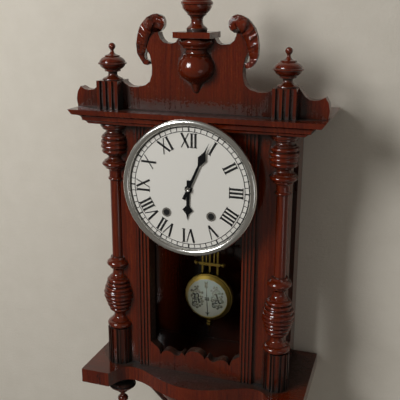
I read {"hour": 6, "minute": 4}
